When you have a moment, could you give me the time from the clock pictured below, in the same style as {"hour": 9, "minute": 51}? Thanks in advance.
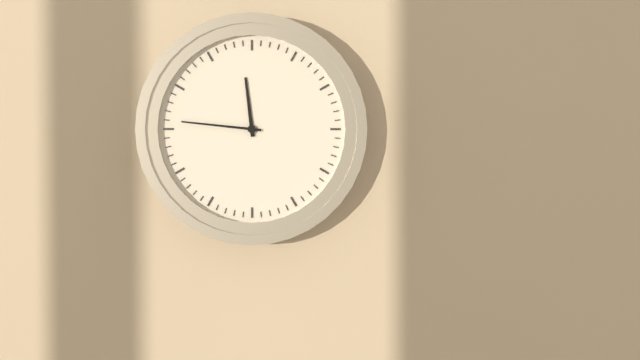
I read {"hour": 11, "minute": 46}
